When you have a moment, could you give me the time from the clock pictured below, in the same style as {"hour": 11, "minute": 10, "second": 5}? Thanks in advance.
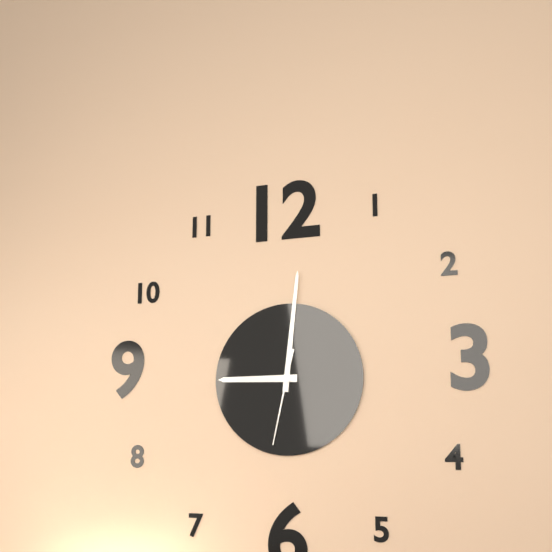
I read {"hour": 9, "minute": 1, "second": 32}
